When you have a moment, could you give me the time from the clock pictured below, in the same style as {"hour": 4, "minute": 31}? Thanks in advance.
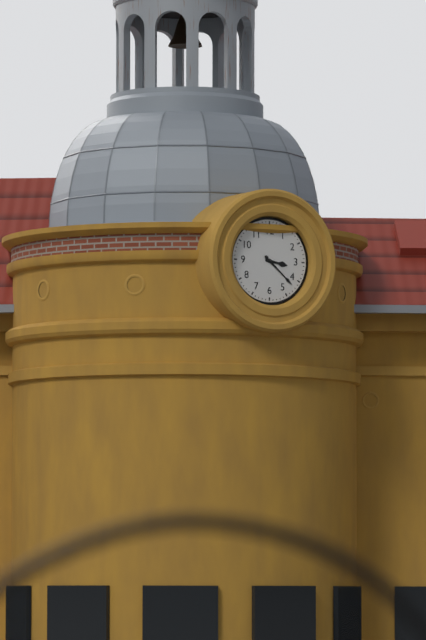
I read {"hour": 3, "minute": 22}
